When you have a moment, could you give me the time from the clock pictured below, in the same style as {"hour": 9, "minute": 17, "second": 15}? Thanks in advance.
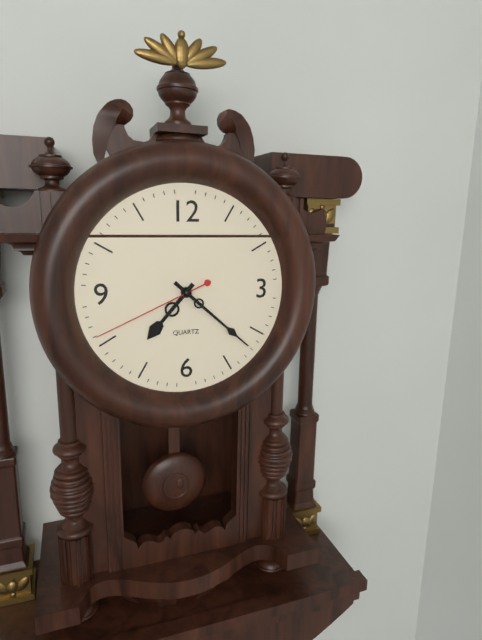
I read {"hour": 7, "minute": 22, "second": 41}
